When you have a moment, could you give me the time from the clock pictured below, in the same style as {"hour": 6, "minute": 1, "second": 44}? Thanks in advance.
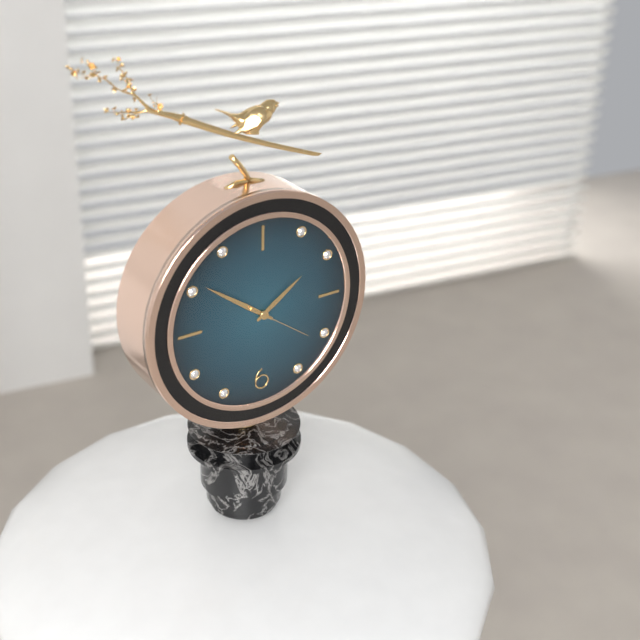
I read {"hour": 1, "minute": 51, "second": 21}
